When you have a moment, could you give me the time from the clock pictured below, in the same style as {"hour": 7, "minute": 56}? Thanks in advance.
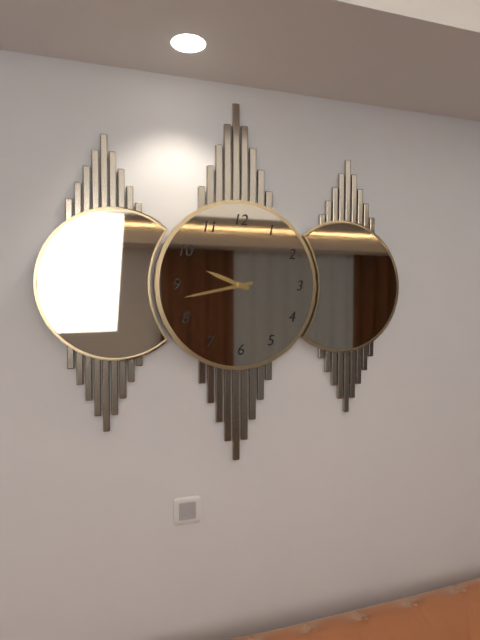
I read {"hour": 9, "minute": 43}
